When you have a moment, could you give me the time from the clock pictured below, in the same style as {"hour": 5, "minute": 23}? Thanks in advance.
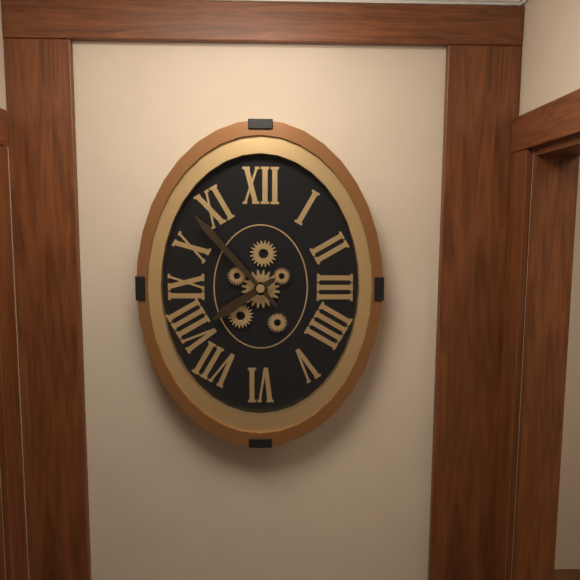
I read {"hour": 7, "minute": 53}
